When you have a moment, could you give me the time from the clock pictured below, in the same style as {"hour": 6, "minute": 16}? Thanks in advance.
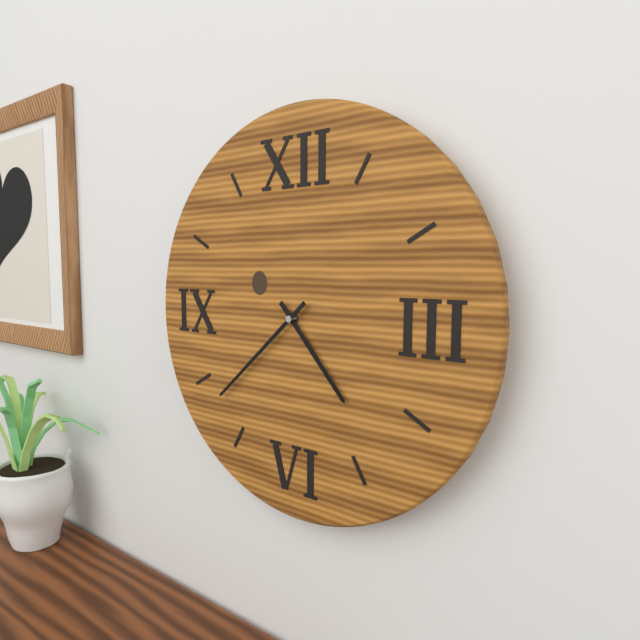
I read {"hour": 4, "minute": 38}
